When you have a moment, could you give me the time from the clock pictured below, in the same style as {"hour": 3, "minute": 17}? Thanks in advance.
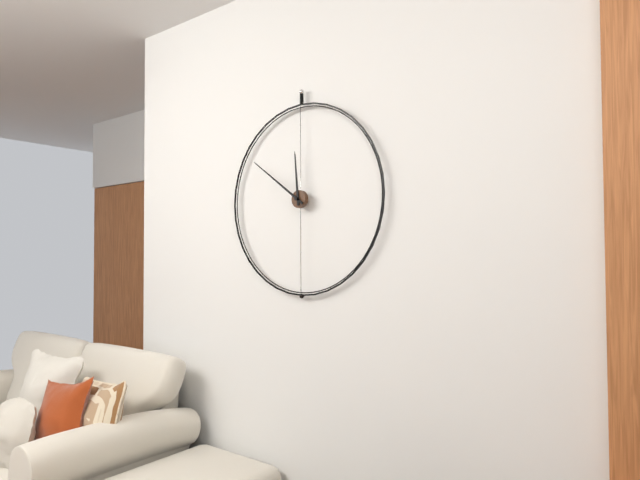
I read {"hour": 11, "minute": 51}
